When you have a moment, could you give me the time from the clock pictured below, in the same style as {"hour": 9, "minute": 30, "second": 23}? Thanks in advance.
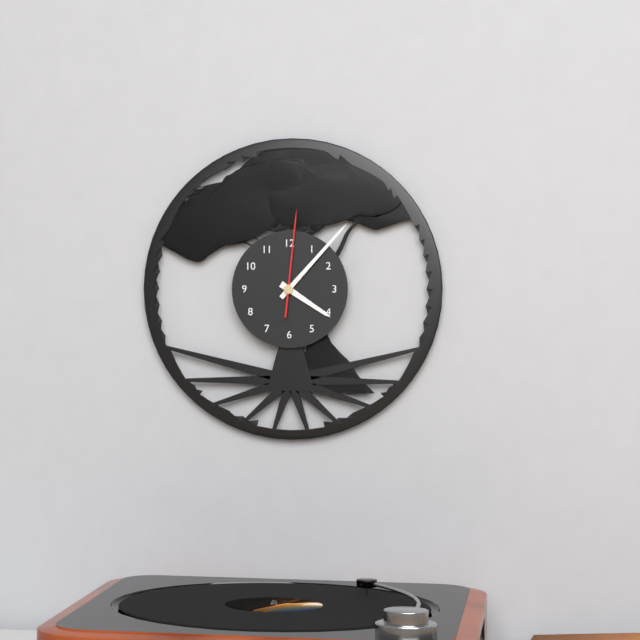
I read {"hour": 4, "minute": 7, "second": 1}
